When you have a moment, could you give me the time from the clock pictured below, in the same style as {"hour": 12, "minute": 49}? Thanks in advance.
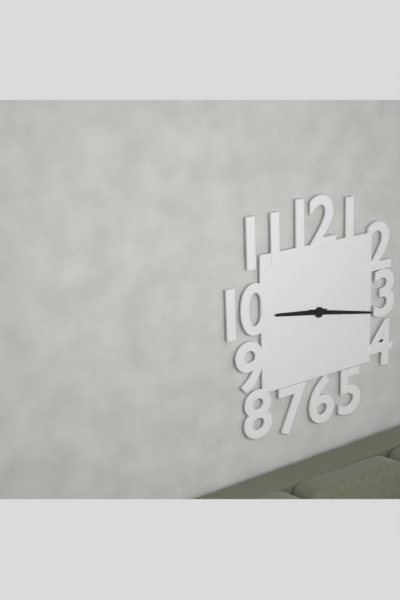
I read {"hour": 9, "minute": 17}
